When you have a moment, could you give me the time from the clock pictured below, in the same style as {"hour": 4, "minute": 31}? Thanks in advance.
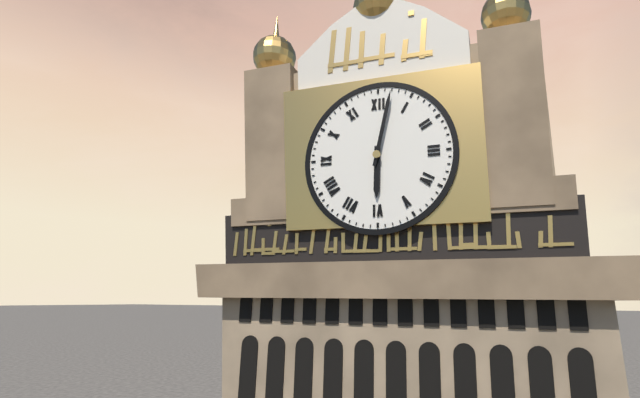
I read {"hour": 6, "minute": 2}
